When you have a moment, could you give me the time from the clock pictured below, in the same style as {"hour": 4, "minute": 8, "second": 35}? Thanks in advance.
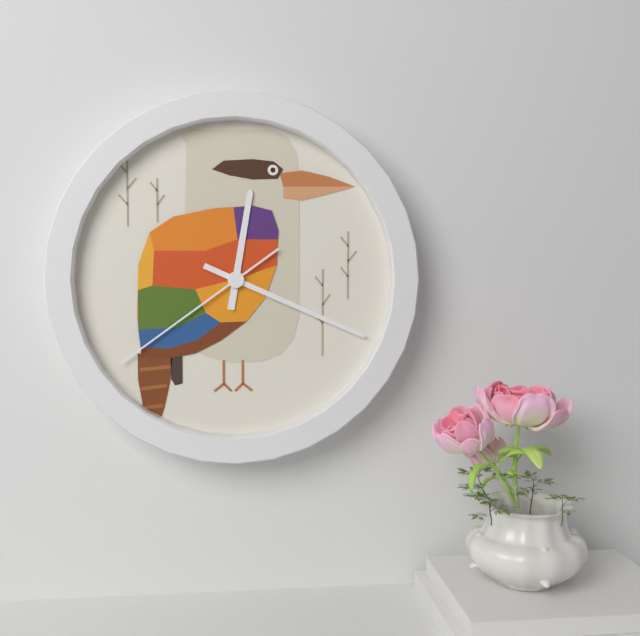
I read {"hour": 12, "minute": 19, "second": 39}
